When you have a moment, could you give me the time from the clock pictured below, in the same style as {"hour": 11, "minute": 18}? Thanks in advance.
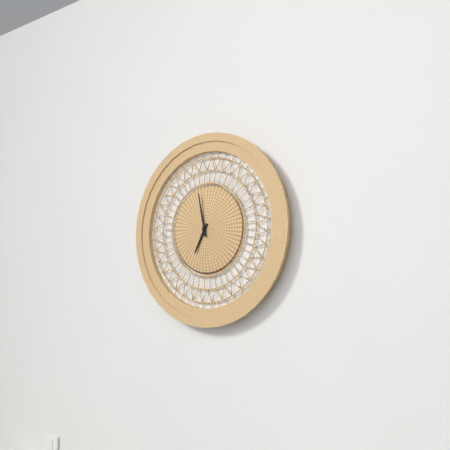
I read {"hour": 6, "minute": 58}
